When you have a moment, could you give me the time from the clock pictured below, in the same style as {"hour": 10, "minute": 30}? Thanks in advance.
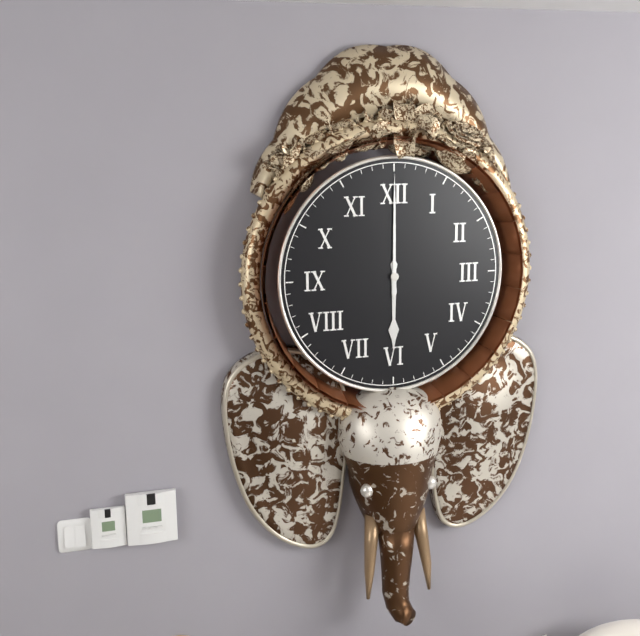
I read {"hour": 6, "minute": 0}
